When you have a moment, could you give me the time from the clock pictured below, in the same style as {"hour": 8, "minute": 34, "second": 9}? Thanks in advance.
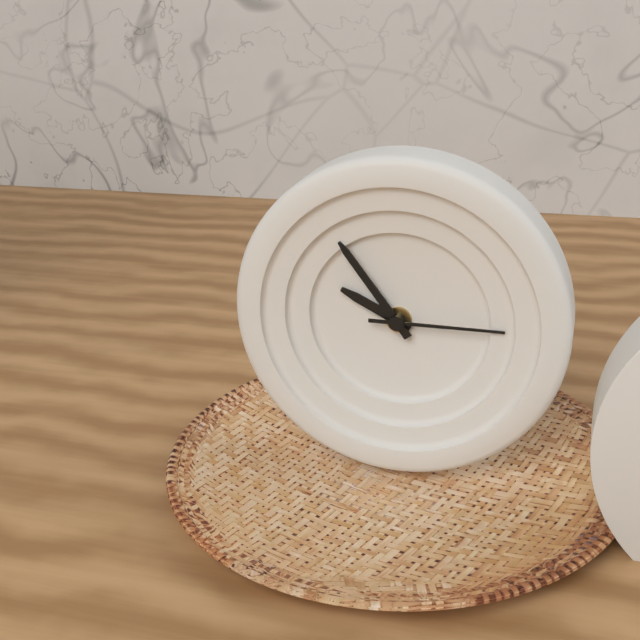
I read {"hour": 9, "minute": 54, "second": 15}
